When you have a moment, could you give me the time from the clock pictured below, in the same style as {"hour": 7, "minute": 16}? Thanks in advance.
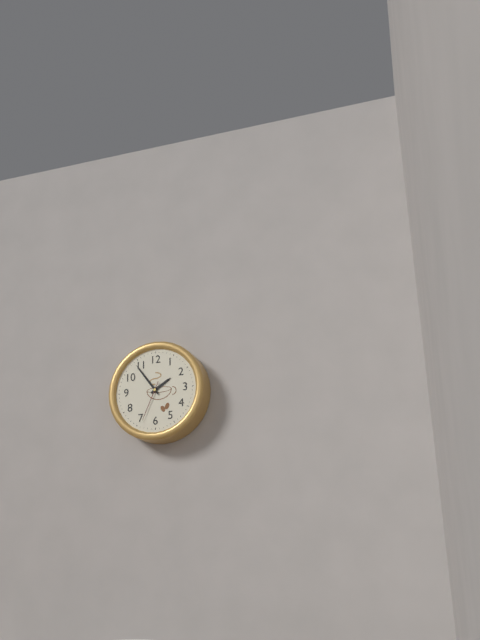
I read {"hour": 1, "minute": 54}
